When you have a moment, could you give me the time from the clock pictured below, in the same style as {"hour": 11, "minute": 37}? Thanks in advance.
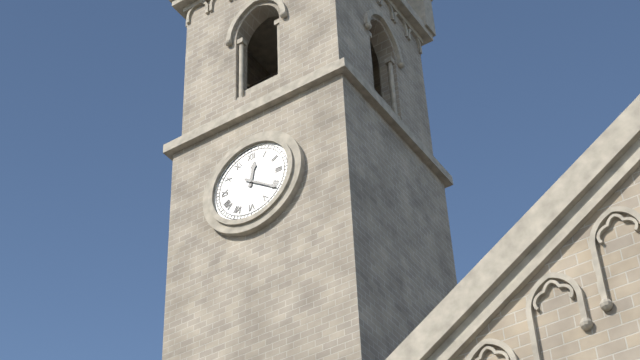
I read {"hour": 12, "minute": 21}
